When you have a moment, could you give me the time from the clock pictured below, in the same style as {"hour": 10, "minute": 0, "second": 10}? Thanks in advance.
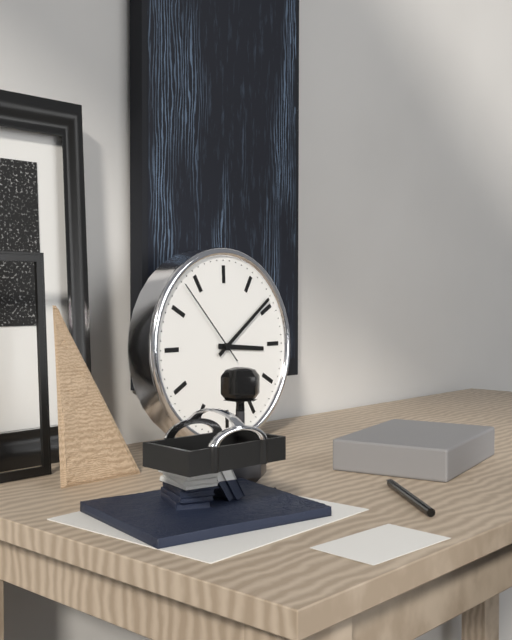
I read {"hour": 3, "minute": 9, "second": 53}
